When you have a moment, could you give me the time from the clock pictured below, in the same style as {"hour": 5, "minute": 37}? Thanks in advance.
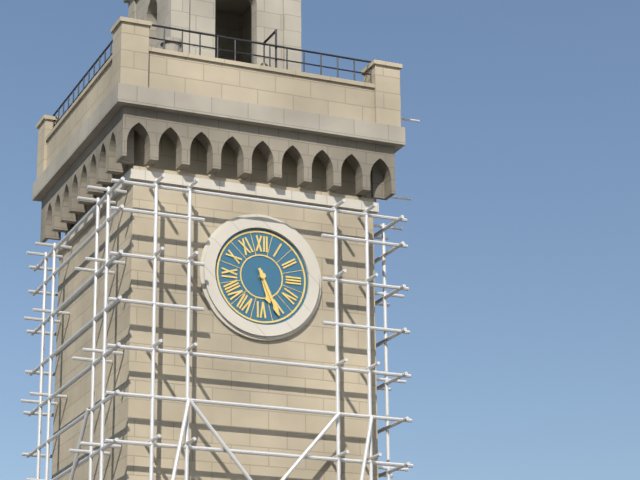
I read {"hour": 5, "minute": 26}
